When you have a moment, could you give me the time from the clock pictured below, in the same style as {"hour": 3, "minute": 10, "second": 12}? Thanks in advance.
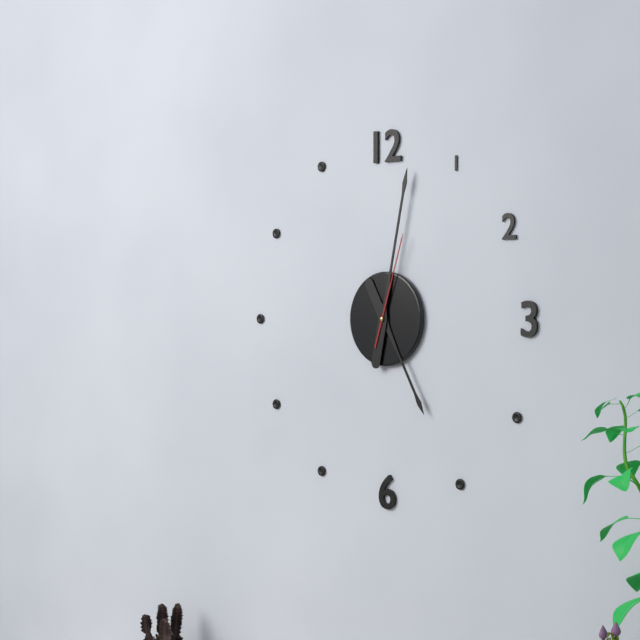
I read {"hour": 5, "minute": 2, "second": 3}
